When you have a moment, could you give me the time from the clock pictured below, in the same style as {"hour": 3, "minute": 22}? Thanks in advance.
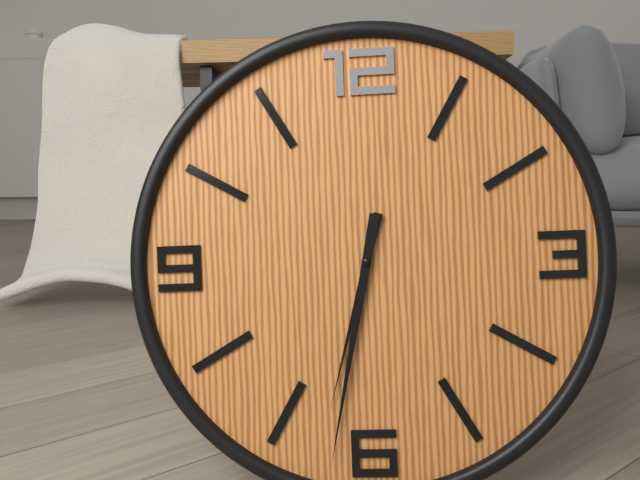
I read {"hour": 6, "minute": 32}
